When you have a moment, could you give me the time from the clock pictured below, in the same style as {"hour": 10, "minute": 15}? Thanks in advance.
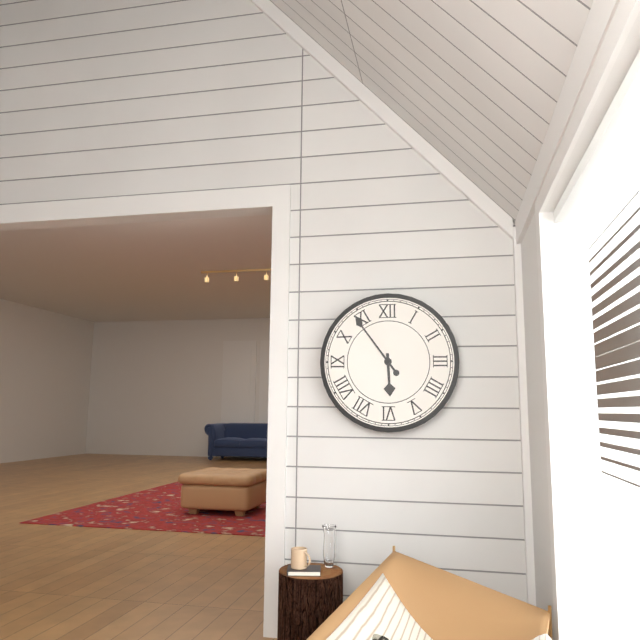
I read {"hour": 5, "minute": 54}
